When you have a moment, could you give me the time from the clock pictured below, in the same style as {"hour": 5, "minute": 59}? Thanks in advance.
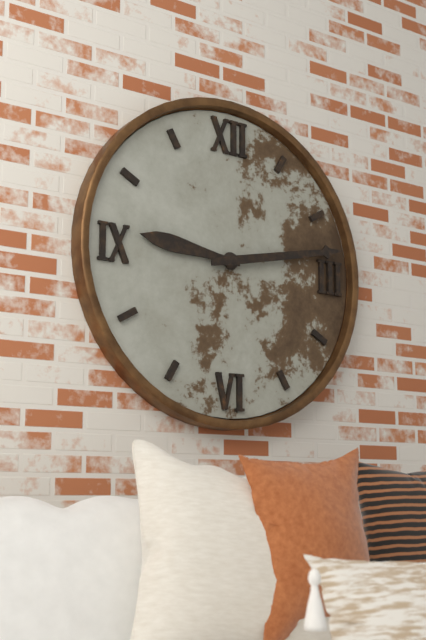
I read {"hour": 9, "minute": 13}
